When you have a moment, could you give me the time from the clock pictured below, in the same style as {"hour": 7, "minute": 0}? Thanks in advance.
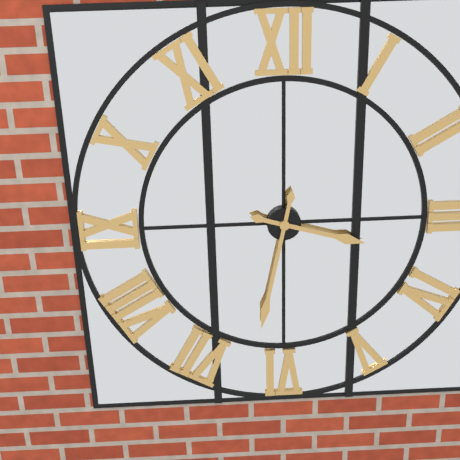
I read {"hour": 3, "minute": 32}
